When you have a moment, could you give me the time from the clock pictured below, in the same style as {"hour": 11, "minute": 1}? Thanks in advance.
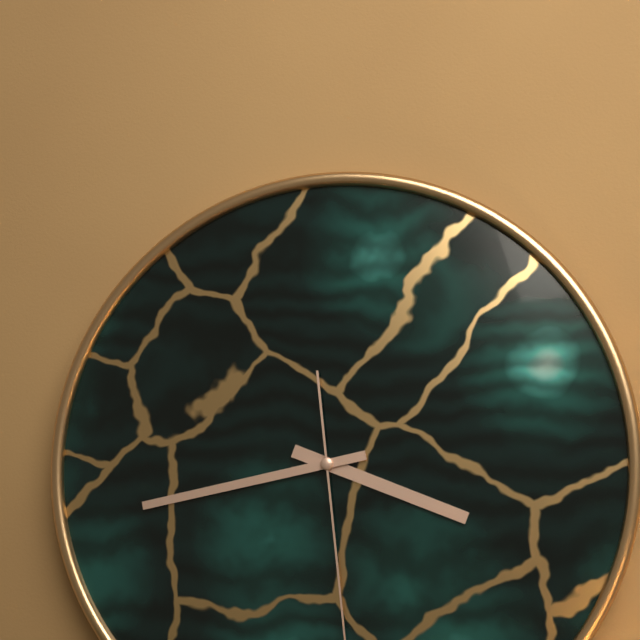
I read {"hour": 3, "minute": 43}
